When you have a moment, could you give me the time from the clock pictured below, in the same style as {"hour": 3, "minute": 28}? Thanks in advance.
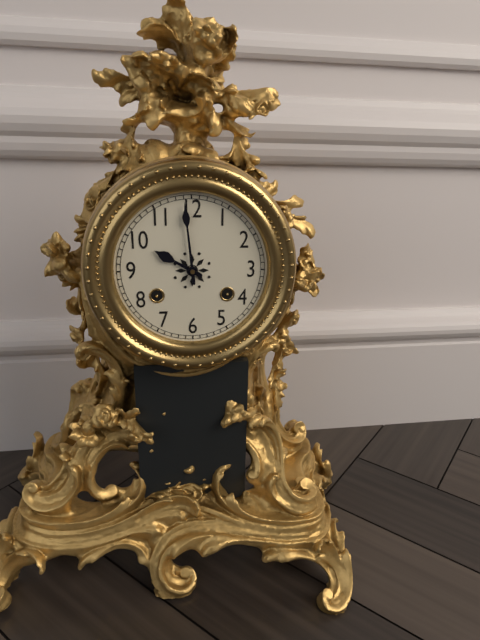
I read {"hour": 9, "minute": 59}
